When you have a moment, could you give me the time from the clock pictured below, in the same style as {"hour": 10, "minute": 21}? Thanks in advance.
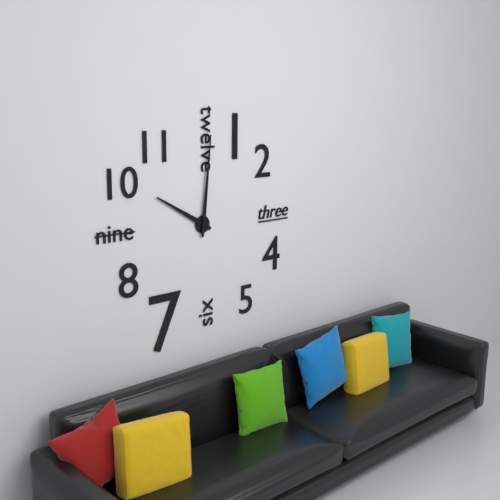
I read {"hour": 10, "minute": 1}
